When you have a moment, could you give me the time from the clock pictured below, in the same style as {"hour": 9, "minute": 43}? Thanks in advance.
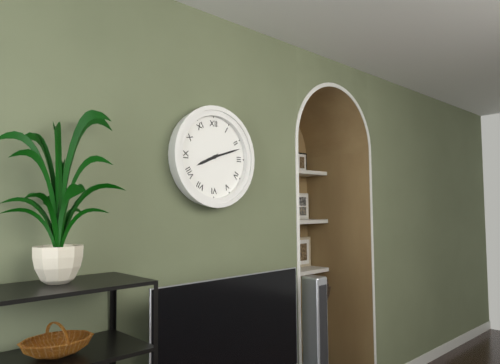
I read {"hour": 8, "minute": 12}
